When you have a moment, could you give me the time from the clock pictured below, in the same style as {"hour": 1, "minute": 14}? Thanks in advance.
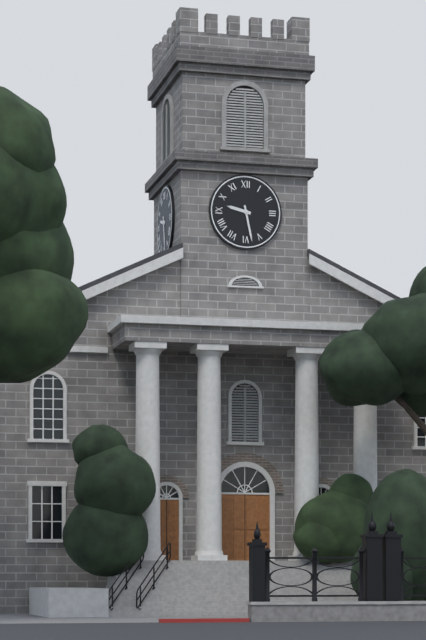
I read {"hour": 9, "minute": 28}
